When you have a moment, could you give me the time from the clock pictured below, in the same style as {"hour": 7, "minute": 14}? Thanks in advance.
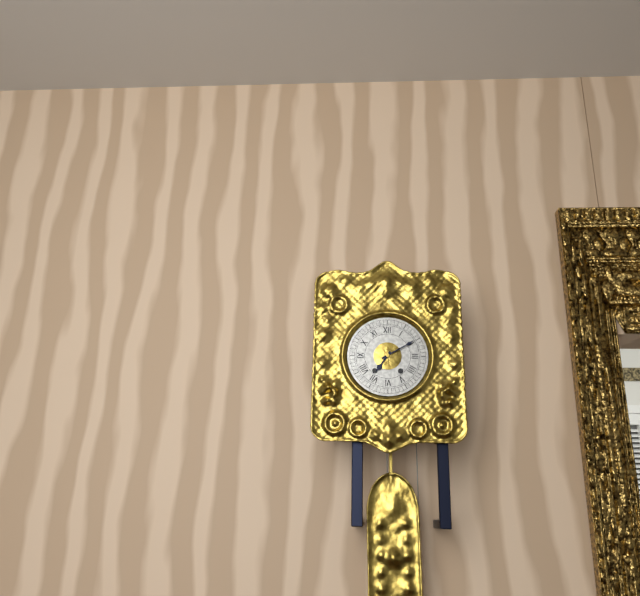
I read {"hour": 7, "minute": 10}
